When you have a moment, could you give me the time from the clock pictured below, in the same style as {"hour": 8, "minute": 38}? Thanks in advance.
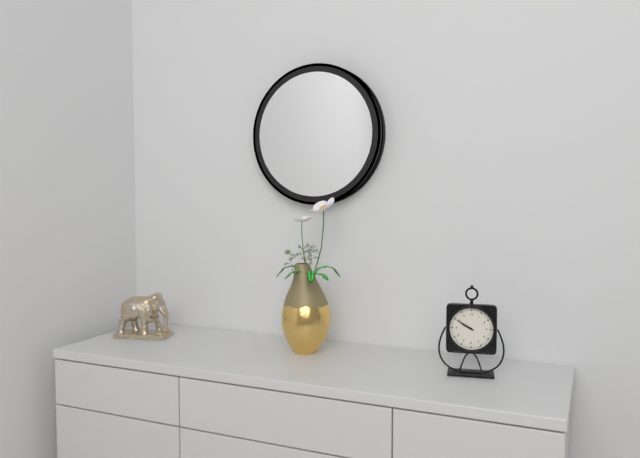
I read {"hour": 9, "minute": 50}
